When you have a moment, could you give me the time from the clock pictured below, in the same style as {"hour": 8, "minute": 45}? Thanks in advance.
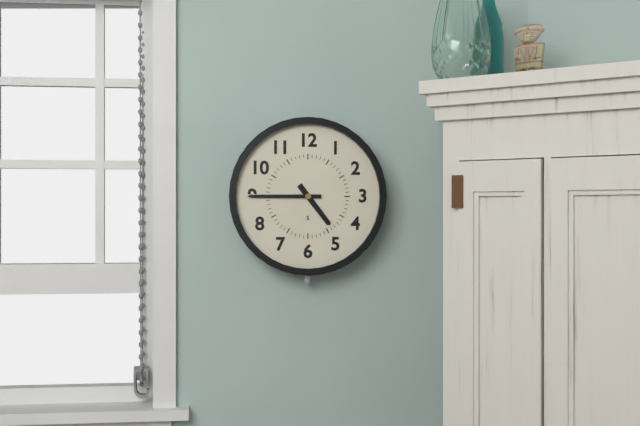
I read {"hour": 4, "minute": 45}
